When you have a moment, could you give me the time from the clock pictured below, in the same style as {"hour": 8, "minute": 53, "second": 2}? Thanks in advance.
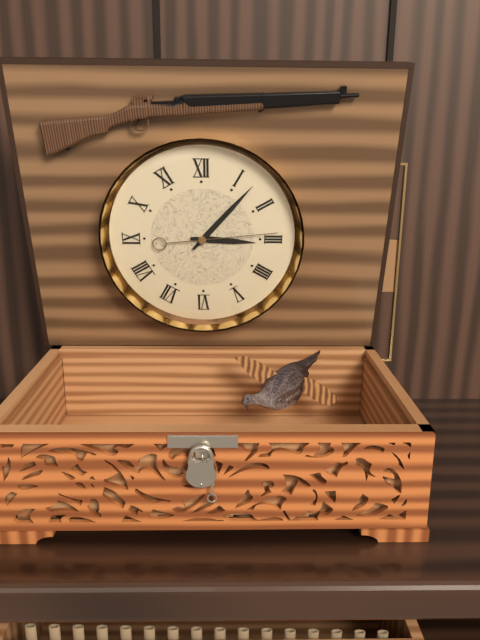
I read {"hour": 3, "minute": 7, "second": 14}
